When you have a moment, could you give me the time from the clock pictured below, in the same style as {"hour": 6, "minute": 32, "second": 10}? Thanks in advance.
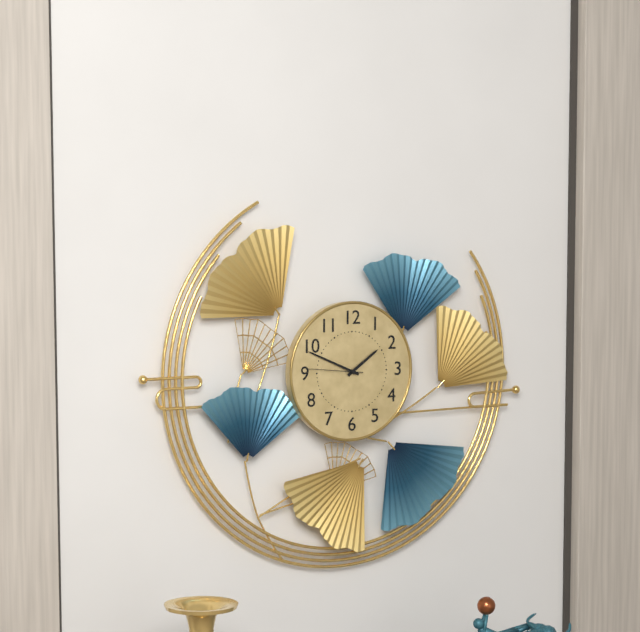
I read {"hour": 1, "minute": 49, "second": 46}
